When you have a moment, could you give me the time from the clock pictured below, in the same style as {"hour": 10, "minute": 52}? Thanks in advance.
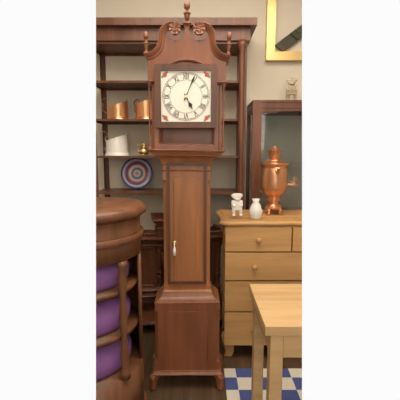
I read {"hour": 5, "minute": 4}
